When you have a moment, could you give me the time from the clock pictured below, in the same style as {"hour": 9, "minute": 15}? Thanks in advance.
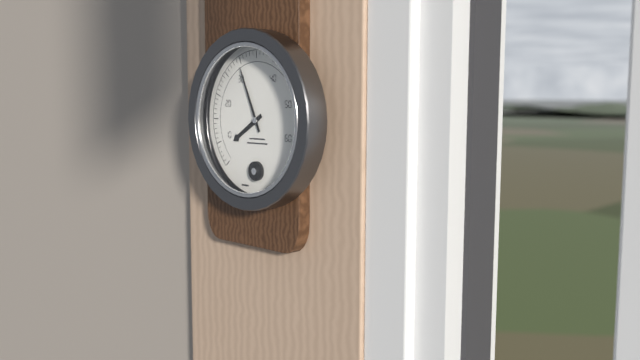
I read {"hour": 7, "minute": 56}
